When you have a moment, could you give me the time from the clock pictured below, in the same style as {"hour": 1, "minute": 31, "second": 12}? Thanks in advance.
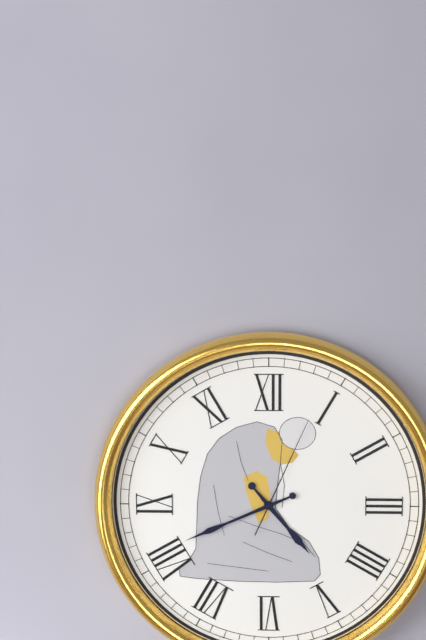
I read {"hour": 4, "minute": 41, "second": 4}
